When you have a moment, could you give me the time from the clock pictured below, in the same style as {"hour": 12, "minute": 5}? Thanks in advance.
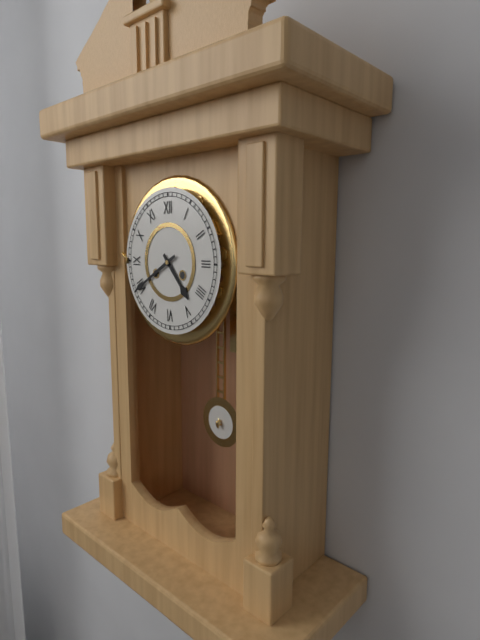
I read {"hour": 4, "minute": 40}
